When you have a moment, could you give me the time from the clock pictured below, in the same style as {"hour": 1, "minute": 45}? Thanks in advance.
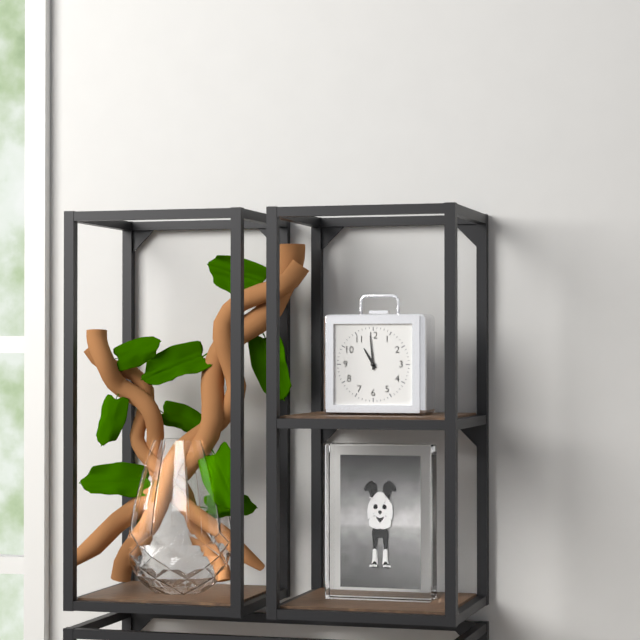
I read {"hour": 10, "minute": 59}
